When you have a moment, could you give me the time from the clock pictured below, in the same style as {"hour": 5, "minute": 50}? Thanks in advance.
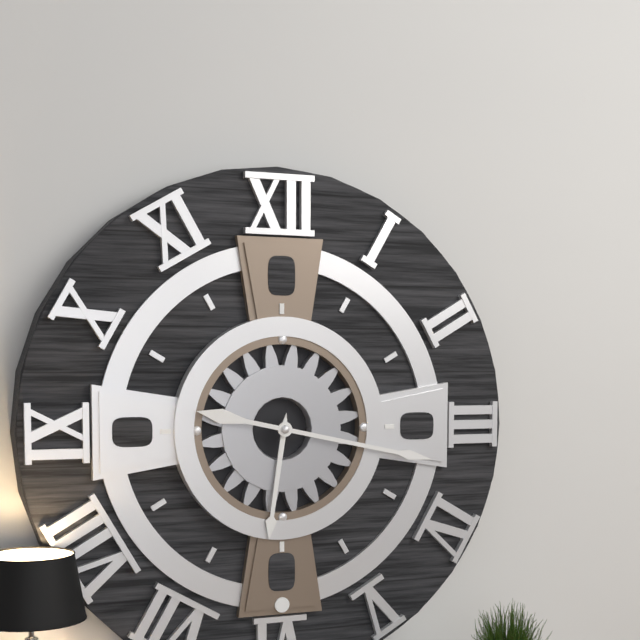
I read {"hour": 6, "minute": 17}
